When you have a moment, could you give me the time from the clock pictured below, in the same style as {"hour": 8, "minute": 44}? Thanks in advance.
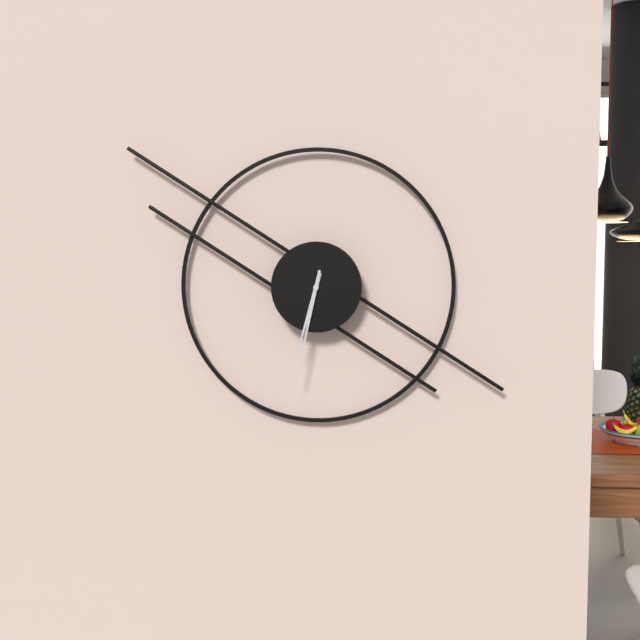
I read {"hour": 6, "minute": 32}
